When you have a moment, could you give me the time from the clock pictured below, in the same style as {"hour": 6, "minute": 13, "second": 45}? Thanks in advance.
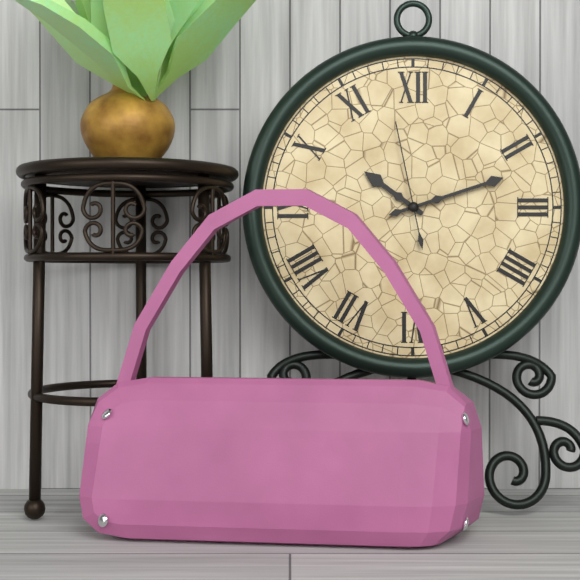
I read {"hour": 10, "minute": 12, "second": 58}
